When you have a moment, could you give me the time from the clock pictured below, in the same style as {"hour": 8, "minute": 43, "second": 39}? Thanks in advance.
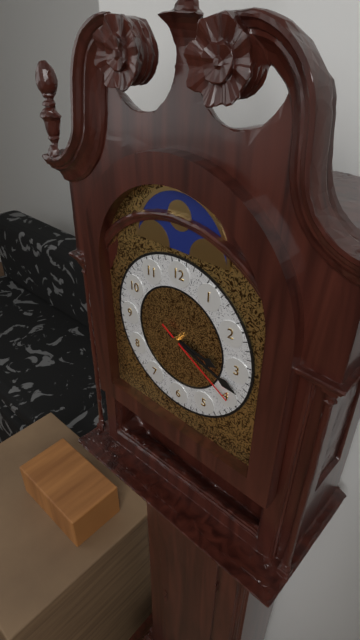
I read {"hour": 3, "minute": 18, "second": 20}
